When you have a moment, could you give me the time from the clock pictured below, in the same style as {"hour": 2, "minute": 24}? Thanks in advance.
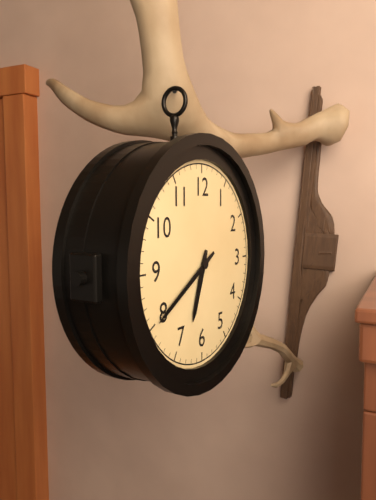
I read {"hour": 6, "minute": 40}
